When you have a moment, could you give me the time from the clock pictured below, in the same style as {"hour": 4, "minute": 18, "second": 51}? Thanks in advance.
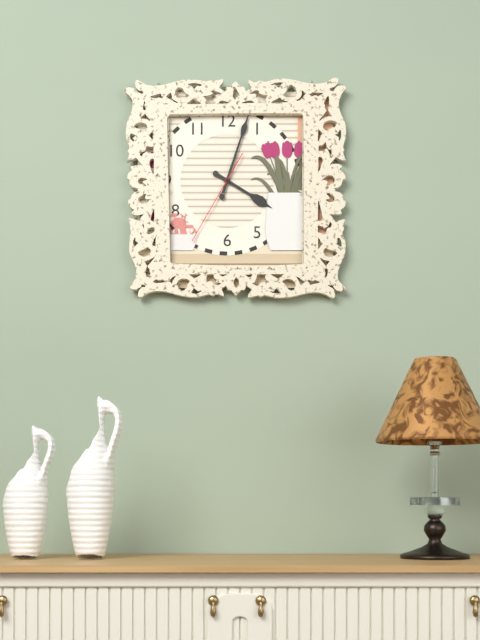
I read {"hour": 4, "minute": 3, "second": 35}
